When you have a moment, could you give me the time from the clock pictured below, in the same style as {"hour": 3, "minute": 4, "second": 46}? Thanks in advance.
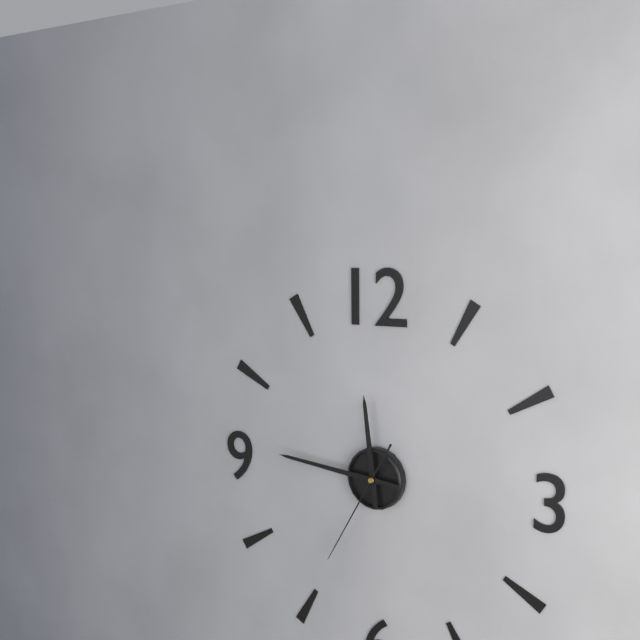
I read {"hour": 11, "minute": 46, "second": 35}
